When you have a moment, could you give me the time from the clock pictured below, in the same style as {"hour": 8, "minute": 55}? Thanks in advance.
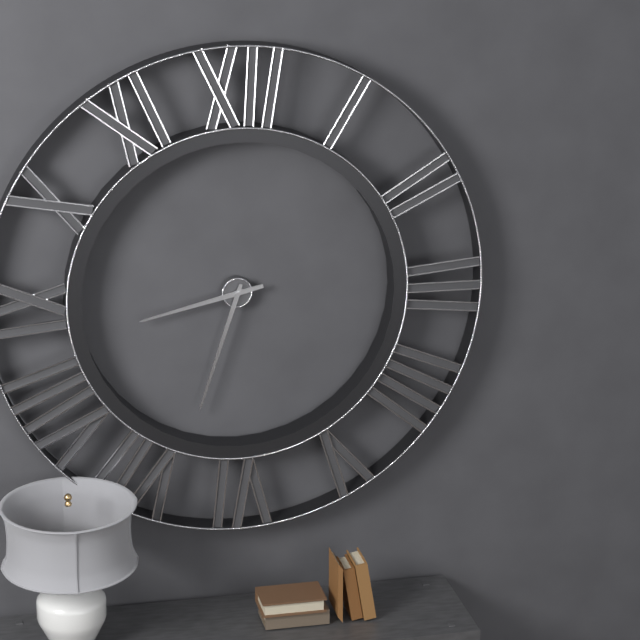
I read {"hour": 8, "minute": 33}
